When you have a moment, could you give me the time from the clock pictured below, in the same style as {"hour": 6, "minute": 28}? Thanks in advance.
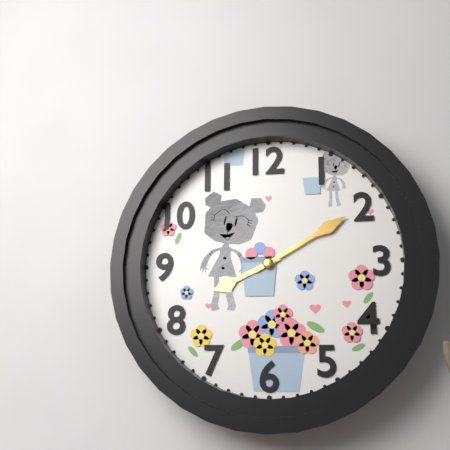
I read {"hour": 8, "minute": 10}
